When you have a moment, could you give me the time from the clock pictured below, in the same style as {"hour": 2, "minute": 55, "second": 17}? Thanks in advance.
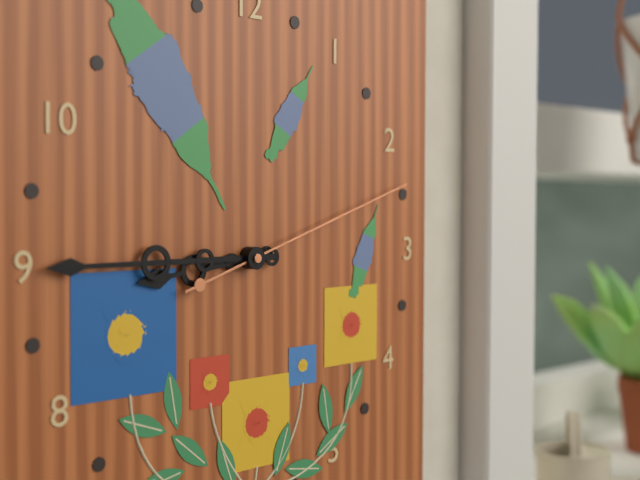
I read {"hour": 8, "minute": 45, "second": 12}
